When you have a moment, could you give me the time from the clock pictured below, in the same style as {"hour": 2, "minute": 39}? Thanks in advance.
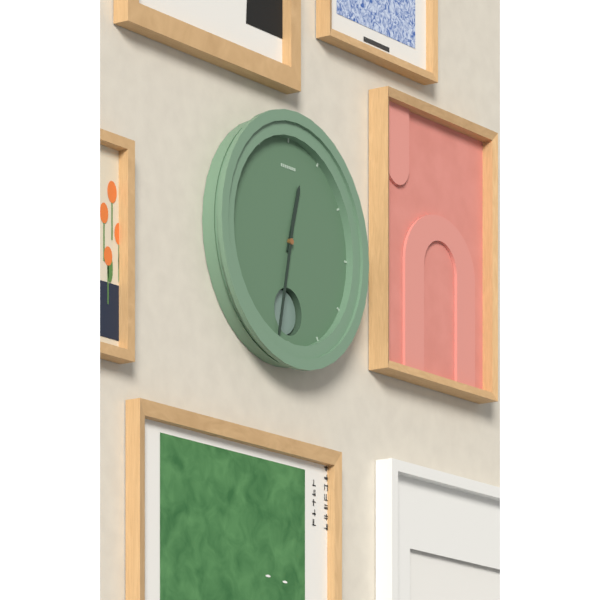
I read {"hour": 12, "minute": 32}
